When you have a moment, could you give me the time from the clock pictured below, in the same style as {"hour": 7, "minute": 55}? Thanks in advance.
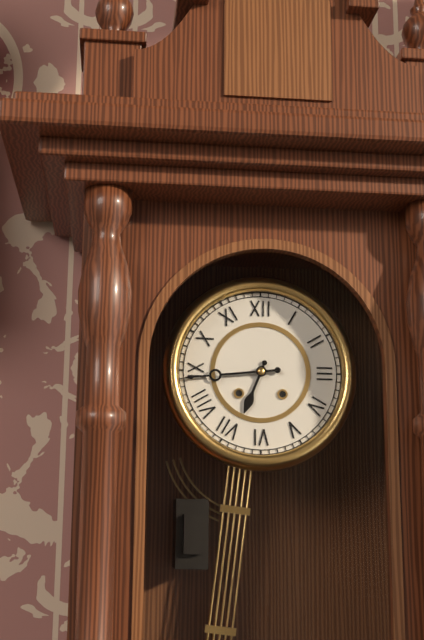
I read {"hour": 6, "minute": 44}
